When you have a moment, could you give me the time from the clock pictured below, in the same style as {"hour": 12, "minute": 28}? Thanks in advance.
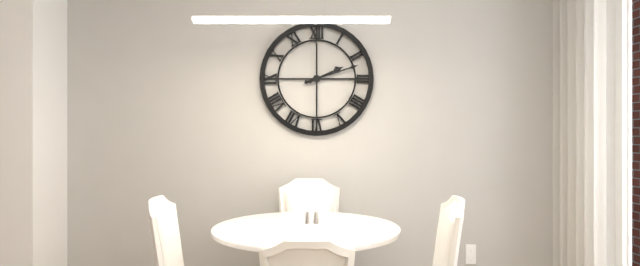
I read {"hour": 2, "minute": 12}
